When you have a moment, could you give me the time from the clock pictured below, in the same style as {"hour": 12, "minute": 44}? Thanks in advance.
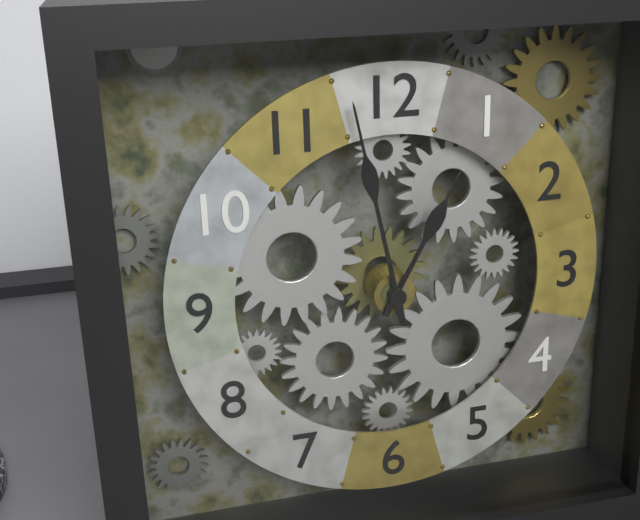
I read {"hour": 12, "minute": 58}
